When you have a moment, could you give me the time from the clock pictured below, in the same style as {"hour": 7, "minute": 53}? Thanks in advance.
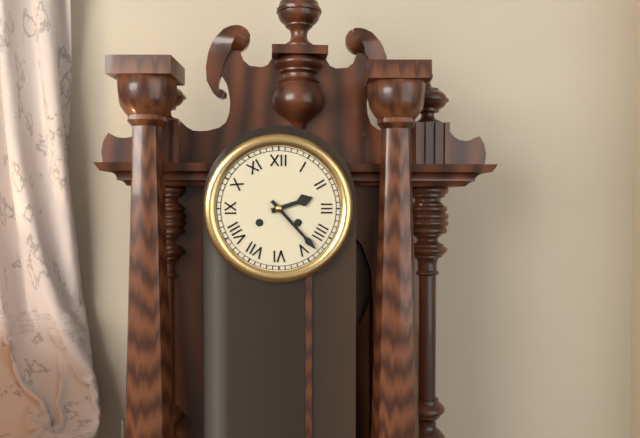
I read {"hour": 2, "minute": 23}
